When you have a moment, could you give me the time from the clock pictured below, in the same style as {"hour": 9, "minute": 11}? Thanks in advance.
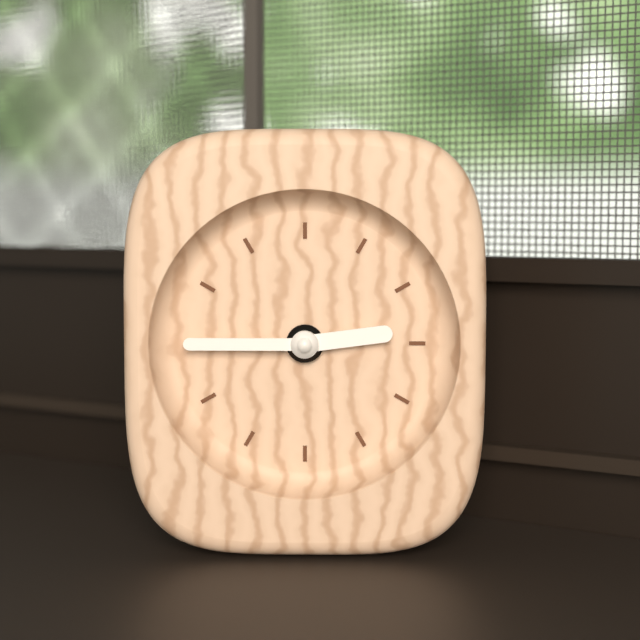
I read {"hour": 2, "minute": 45}
